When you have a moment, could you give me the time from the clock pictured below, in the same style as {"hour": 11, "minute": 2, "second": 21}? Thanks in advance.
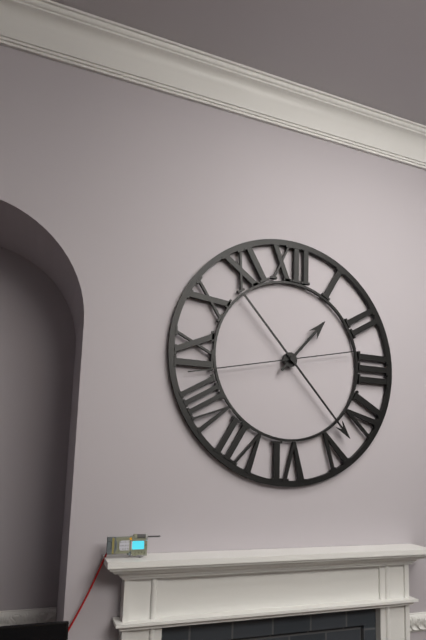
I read {"hour": 1, "minute": 23, "second": 43}
